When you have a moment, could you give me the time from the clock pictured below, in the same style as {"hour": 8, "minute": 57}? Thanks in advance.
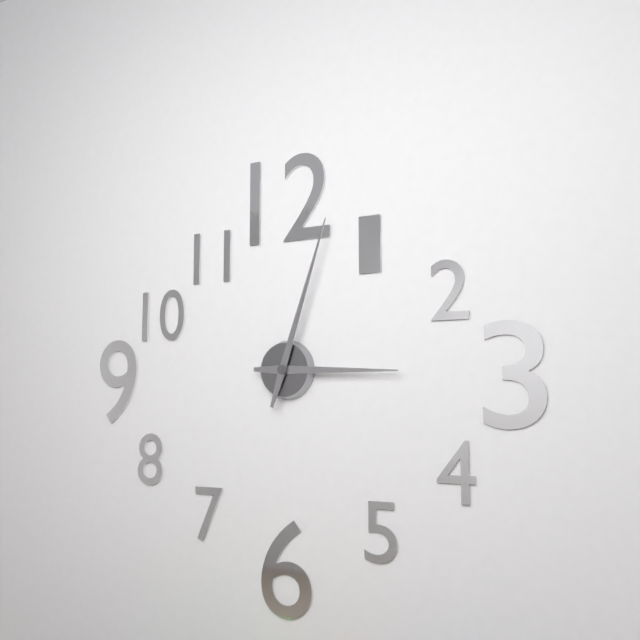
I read {"hour": 3, "minute": 3}
